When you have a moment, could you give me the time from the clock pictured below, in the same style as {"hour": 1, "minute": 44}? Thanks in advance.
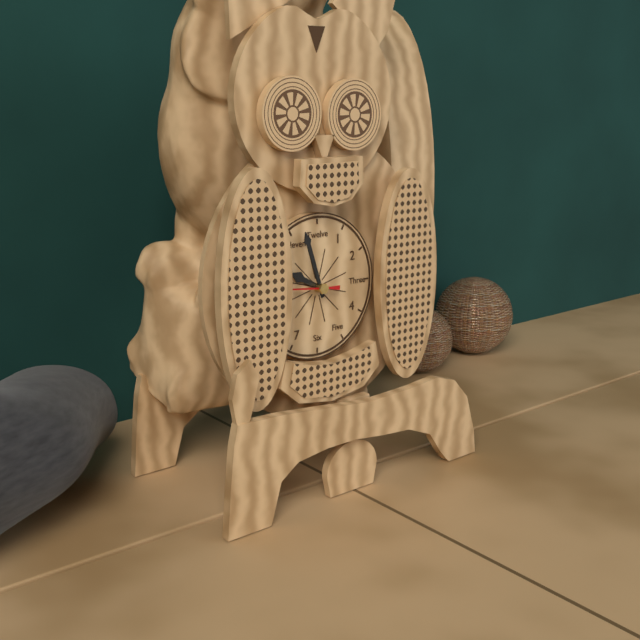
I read {"hour": 9, "minute": 57}
